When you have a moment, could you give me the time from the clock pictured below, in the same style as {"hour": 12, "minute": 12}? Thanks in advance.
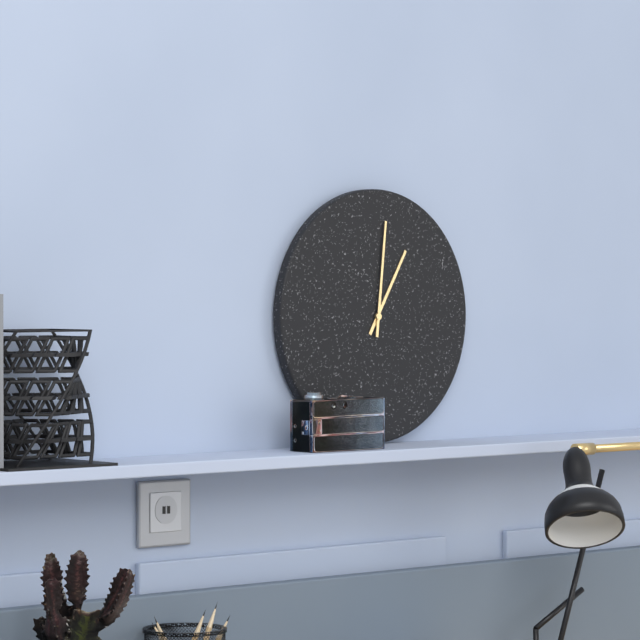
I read {"hour": 1, "minute": 1}
